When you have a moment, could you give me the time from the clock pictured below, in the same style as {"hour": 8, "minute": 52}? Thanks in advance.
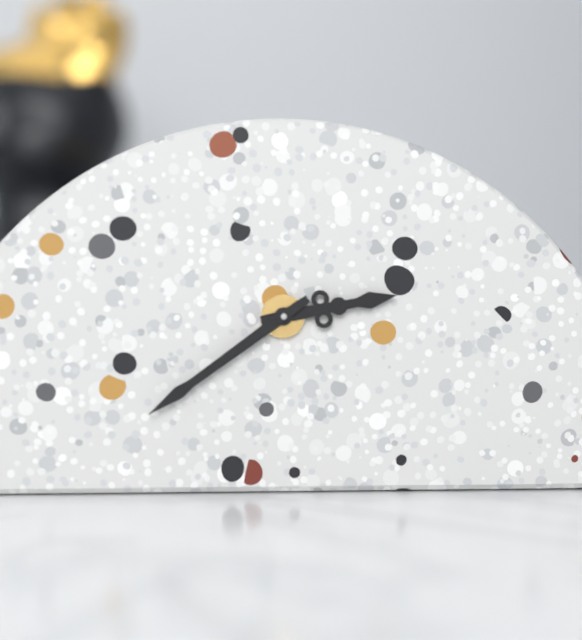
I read {"hour": 2, "minute": 39}
